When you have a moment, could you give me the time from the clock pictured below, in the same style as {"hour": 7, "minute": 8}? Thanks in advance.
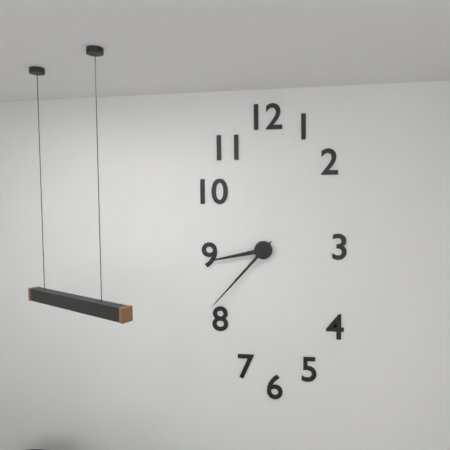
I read {"hour": 8, "minute": 37}
